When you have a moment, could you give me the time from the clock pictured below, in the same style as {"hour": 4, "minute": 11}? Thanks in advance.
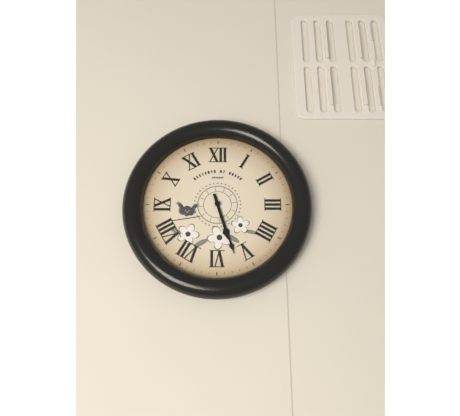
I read {"hour": 5, "minute": 27}
